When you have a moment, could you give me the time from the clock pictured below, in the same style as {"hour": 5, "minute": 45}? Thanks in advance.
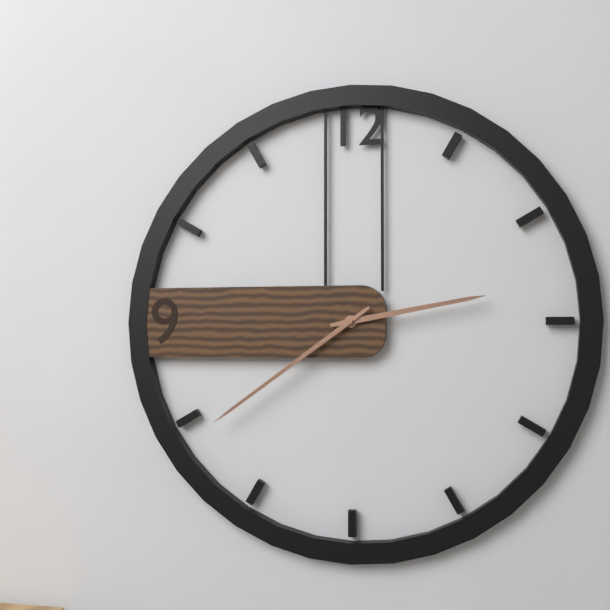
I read {"hour": 2, "minute": 39}
